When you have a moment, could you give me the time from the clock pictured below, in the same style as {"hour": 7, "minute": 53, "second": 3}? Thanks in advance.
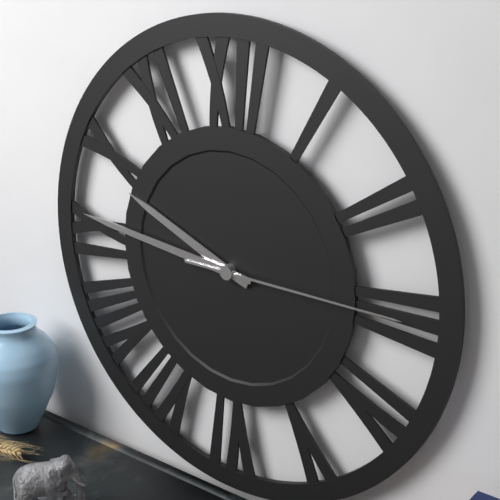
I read {"hour": 9, "minute": 46, "second": 15}
